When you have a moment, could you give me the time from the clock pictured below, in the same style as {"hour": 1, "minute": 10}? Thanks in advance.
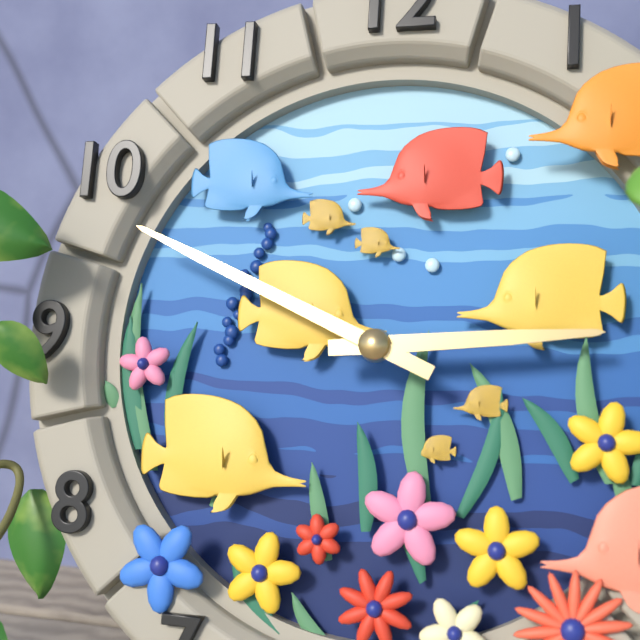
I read {"hour": 2, "minute": 49}
